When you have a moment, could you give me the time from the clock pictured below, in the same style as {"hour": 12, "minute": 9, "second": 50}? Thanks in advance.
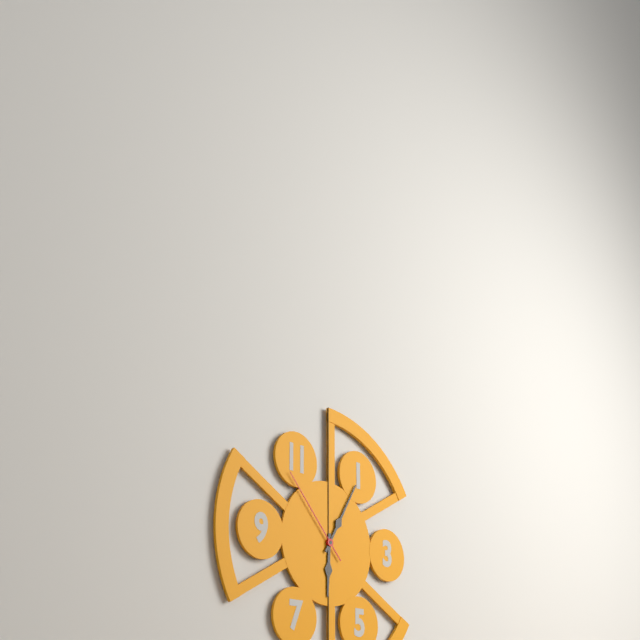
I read {"hour": 6, "minute": 5, "second": 53}
